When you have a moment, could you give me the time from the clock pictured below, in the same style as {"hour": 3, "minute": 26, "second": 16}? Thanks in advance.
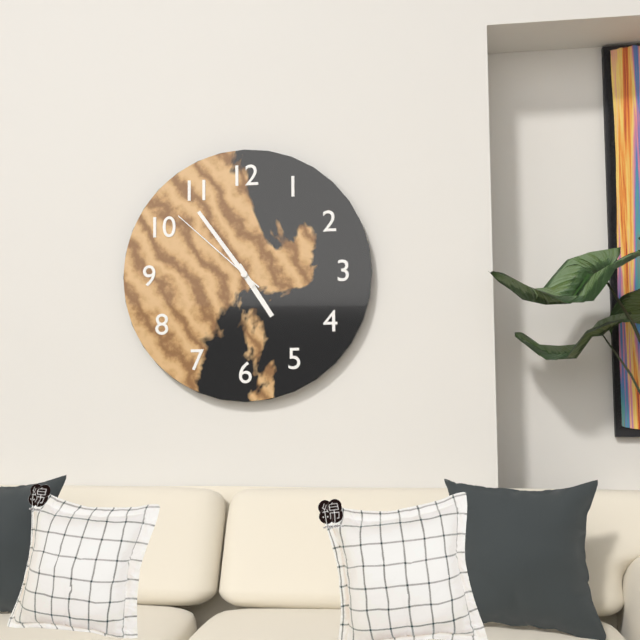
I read {"hour": 4, "minute": 54, "second": 52}
